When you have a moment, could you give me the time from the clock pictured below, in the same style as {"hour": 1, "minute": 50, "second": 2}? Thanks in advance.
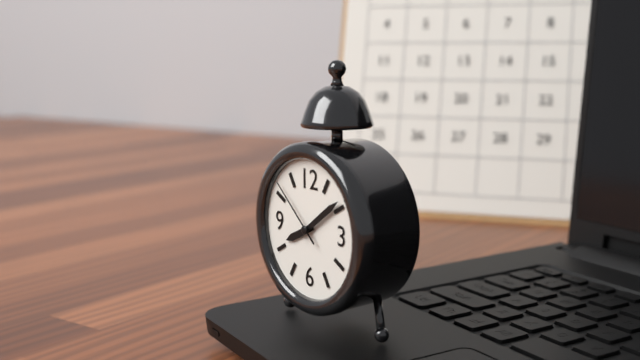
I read {"hour": 8, "minute": 9, "second": 52}
